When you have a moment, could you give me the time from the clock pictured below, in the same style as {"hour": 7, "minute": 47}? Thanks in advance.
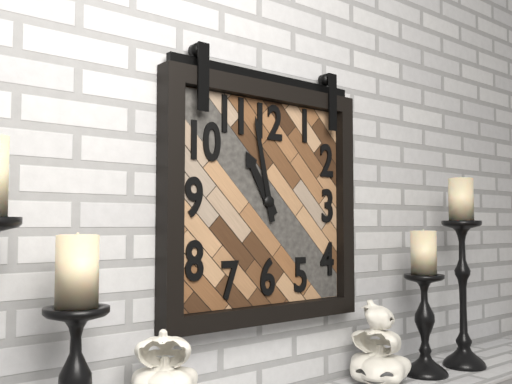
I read {"hour": 10, "minute": 58}
